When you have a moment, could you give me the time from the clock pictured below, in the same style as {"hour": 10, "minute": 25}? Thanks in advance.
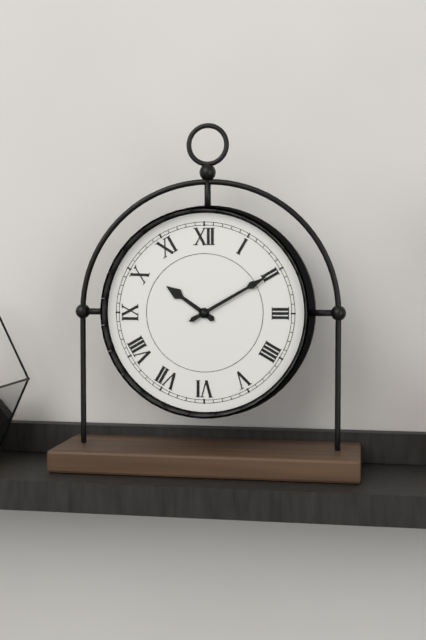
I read {"hour": 10, "minute": 10}
